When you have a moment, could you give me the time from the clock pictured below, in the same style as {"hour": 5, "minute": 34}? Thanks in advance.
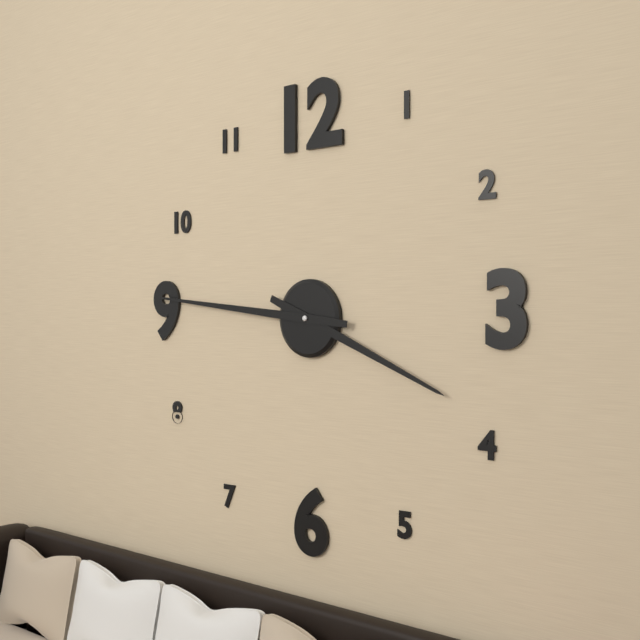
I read {"hour": 3, "minute": 46}
